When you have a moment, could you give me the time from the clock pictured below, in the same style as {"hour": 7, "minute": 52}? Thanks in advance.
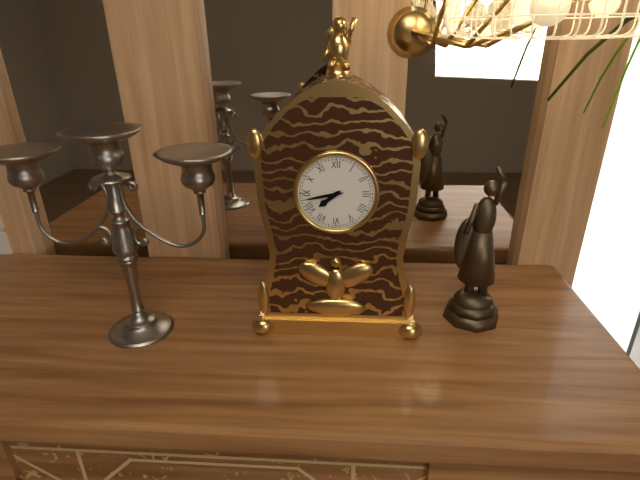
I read {"hour": 7, "minute": 43}
